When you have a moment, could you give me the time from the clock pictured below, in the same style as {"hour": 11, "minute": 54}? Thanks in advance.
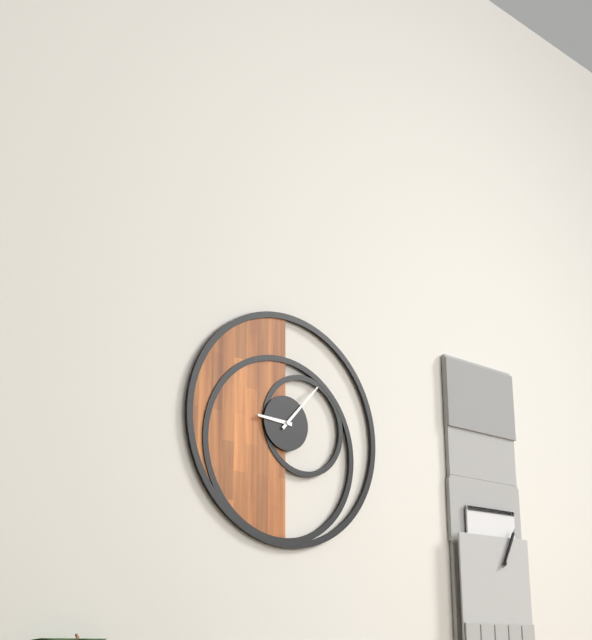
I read {"hour": 9, "minute": 7}
